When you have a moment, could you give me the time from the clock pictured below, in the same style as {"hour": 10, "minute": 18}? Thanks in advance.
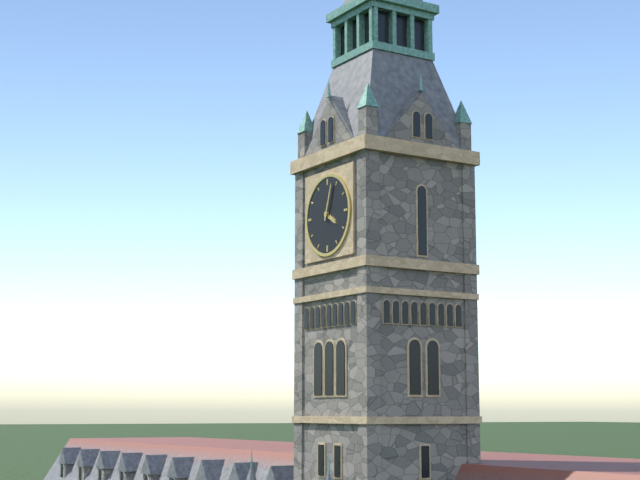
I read {"hour": 4, "minute": 3}
